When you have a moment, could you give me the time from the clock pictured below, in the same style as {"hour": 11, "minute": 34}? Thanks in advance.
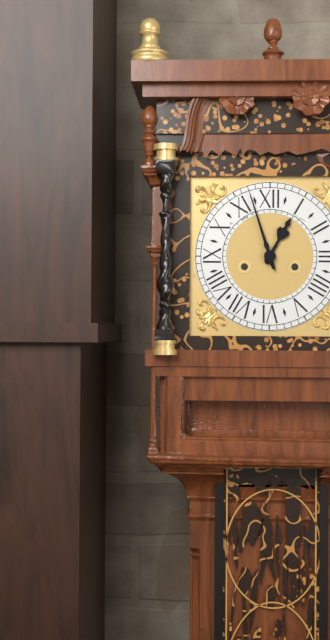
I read {"hour": 12, "minute": 57}
